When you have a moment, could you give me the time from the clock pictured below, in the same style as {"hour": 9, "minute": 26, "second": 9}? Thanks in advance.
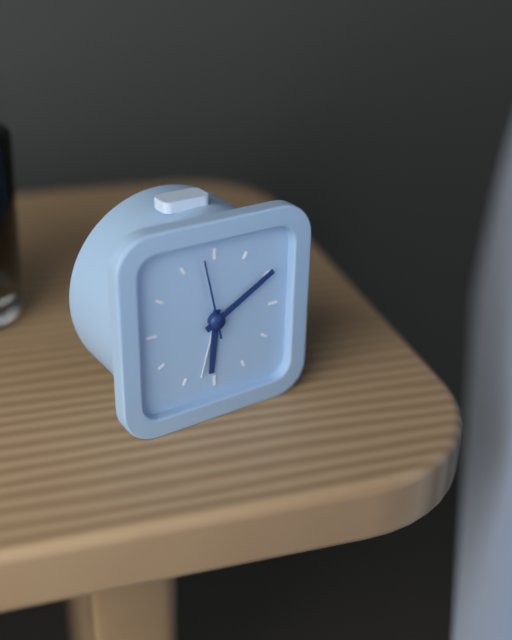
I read {"hour": 6, "minute": 10, "second": 58}
